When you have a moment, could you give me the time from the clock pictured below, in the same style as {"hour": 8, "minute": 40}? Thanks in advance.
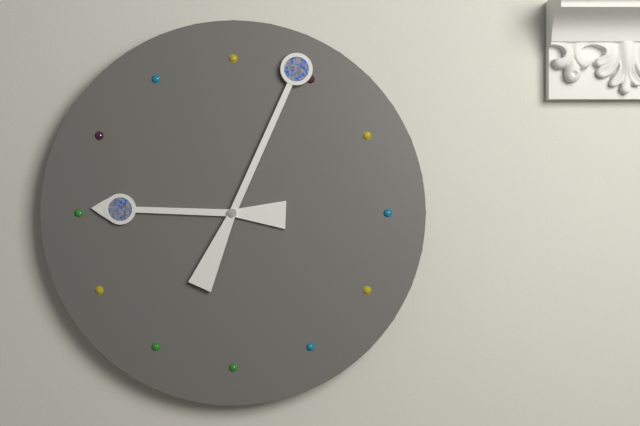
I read {"hour": 9, "minute": 4}
